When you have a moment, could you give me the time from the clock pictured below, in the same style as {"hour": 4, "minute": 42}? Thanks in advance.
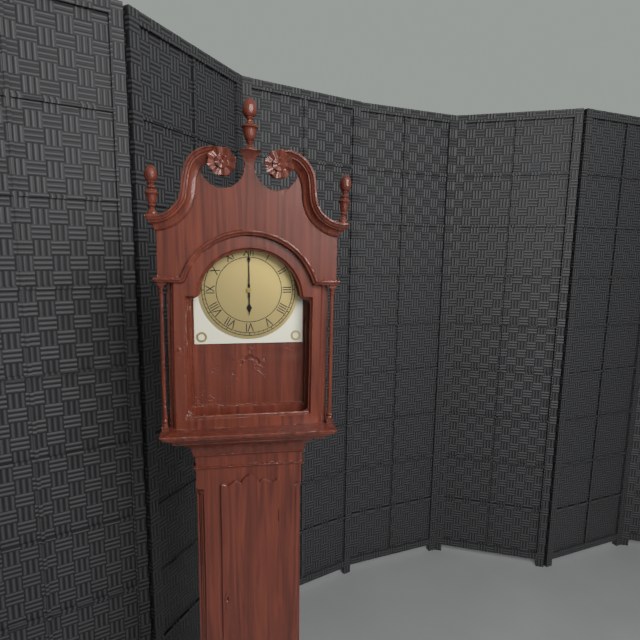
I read {"hour": 6, "minute": 0}
